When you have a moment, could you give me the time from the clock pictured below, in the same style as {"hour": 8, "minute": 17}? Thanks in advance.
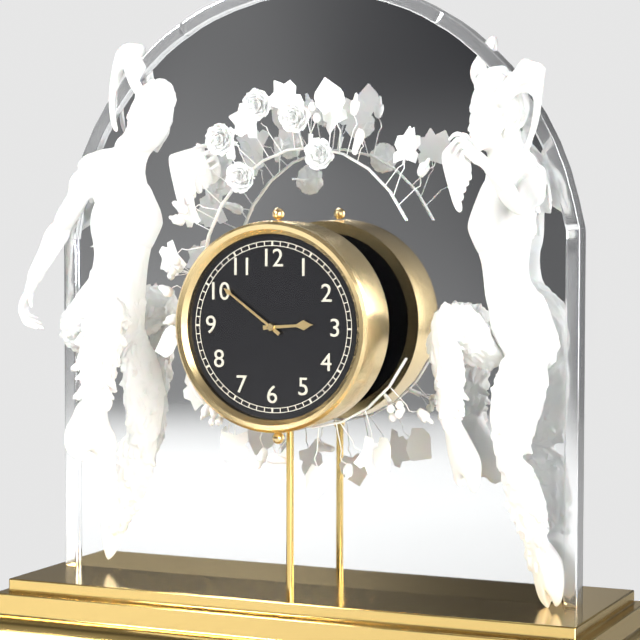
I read {"hour": 2, "minute": 51}
